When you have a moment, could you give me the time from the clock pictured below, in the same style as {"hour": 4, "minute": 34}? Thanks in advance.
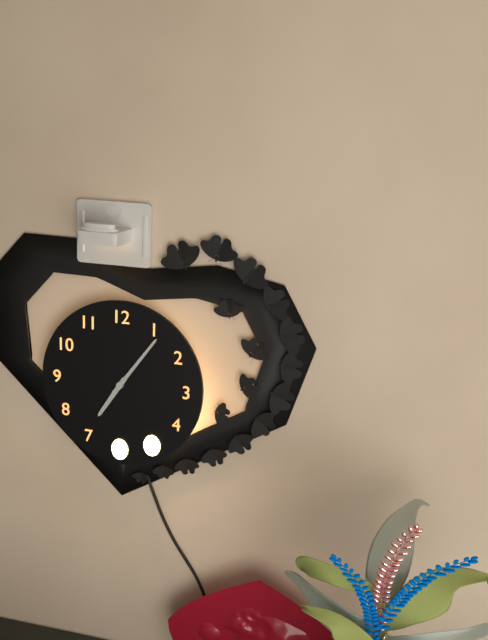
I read {"hour": 7, "minute": 6}
